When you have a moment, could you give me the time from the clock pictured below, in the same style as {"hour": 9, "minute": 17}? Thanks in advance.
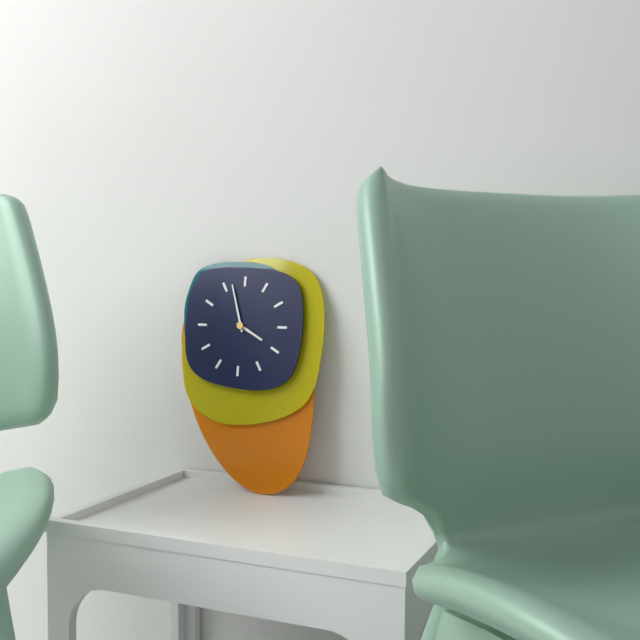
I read {"hour": 3, "minute": 57}
